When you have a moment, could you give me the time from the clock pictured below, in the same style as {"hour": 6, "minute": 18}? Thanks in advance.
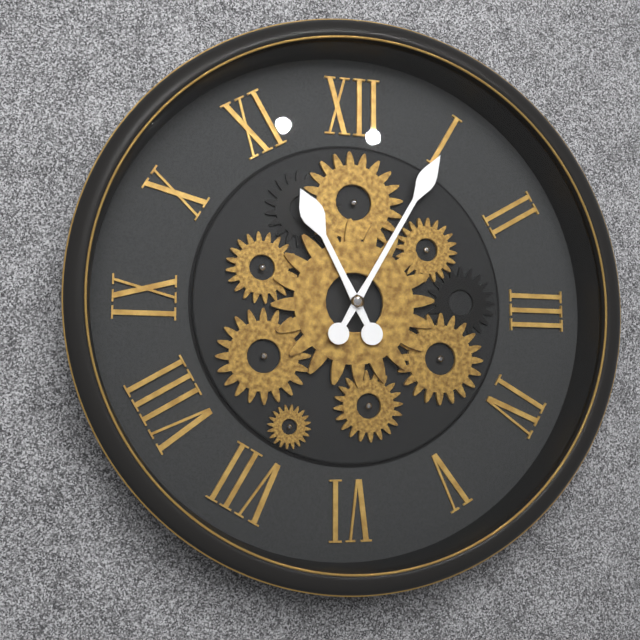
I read {"hour": 11, "minute": 5}
